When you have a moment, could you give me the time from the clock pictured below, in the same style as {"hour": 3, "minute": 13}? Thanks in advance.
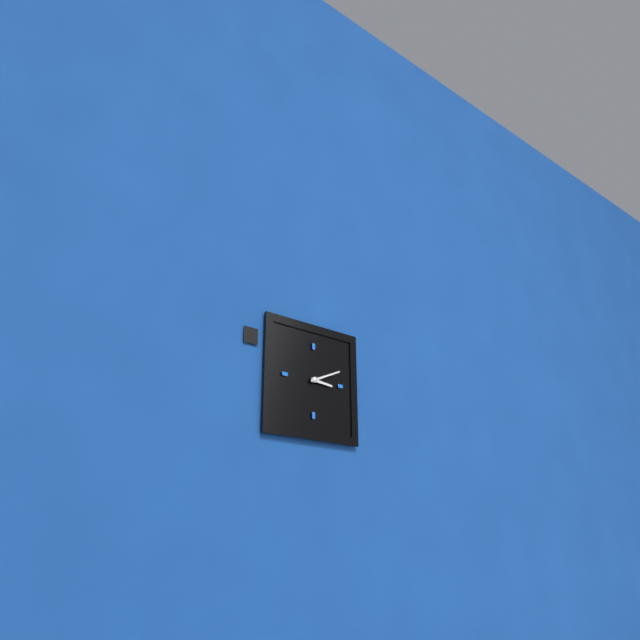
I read {"hour": 3, "minute": 11}
